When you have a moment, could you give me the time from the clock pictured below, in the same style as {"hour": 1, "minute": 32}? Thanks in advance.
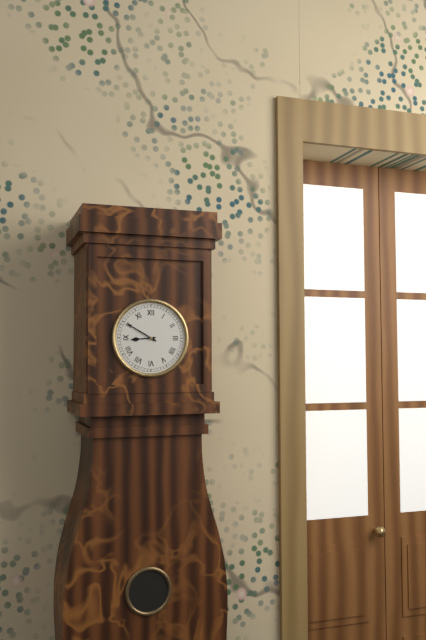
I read {"hour": 8, "minute": 50}
